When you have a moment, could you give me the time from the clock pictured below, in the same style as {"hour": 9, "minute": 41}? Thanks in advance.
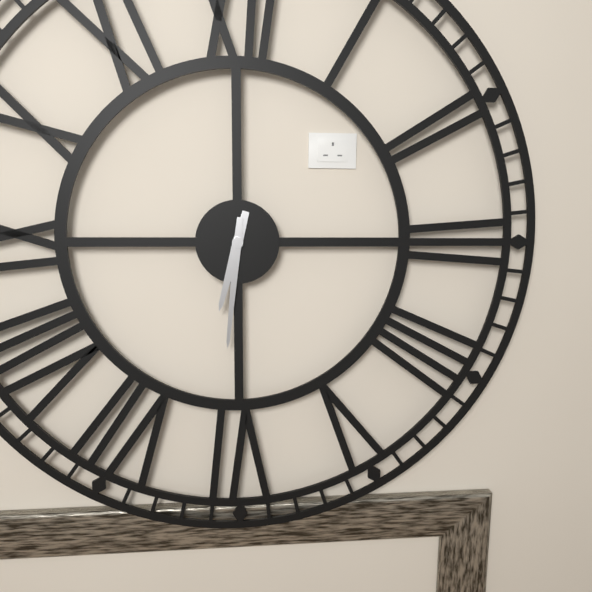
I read {"hour": 6, "minute": 31}
